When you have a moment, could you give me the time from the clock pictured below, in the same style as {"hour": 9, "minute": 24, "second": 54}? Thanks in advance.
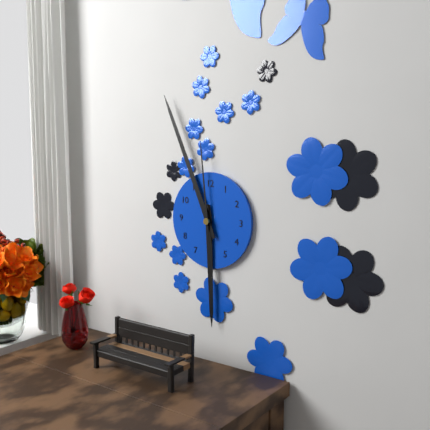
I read {"hour": 5, "minute": 56, "second": 59}
